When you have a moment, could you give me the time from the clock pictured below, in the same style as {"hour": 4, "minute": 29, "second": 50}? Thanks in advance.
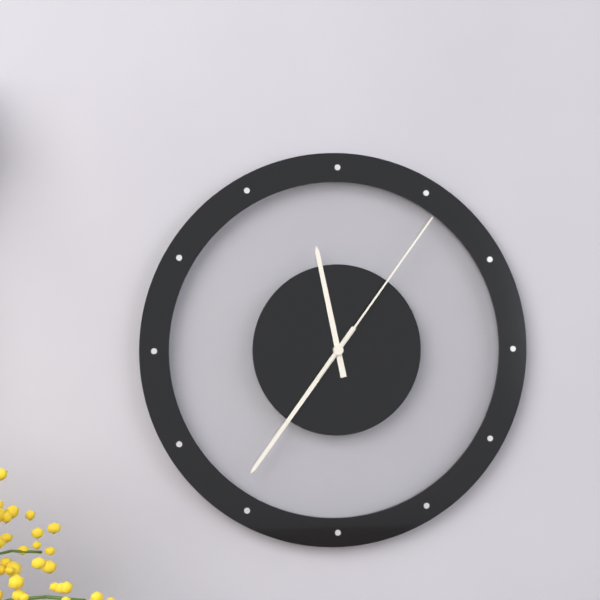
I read {"hour": 11, "minute": 36, "second": 6}
